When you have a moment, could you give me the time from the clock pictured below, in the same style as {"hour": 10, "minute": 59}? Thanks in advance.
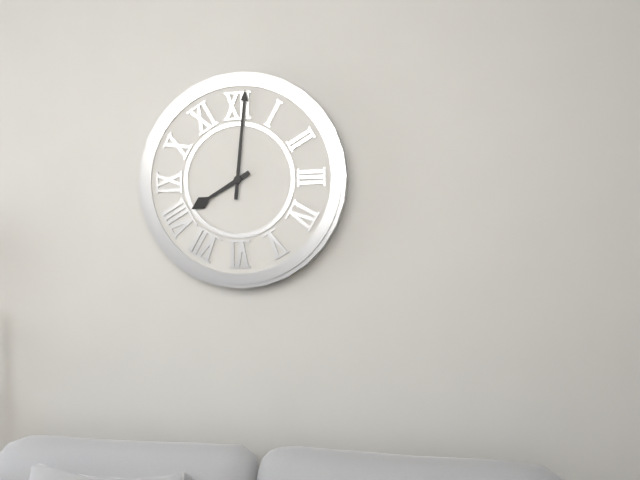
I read {"hour": 8, "minute": 1}
